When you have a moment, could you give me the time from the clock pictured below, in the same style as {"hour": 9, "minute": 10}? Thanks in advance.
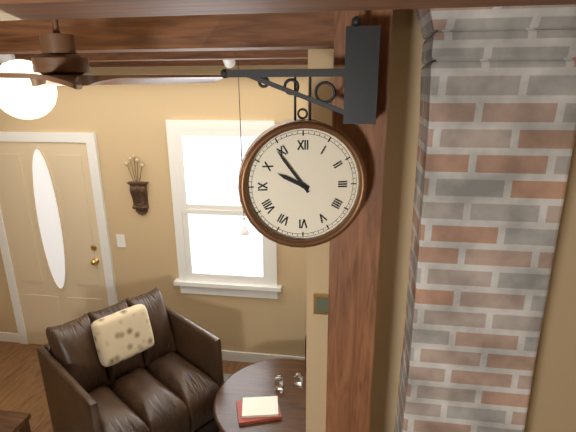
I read {"hour": 9, "minute": 54}
